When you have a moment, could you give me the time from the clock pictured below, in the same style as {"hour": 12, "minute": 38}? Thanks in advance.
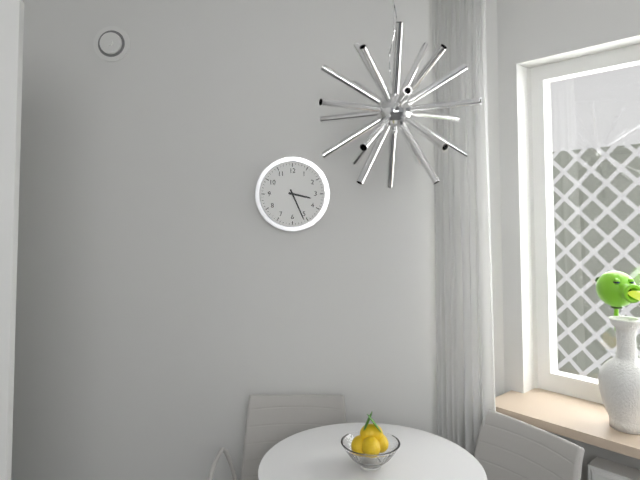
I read {"hour": 3, "minute": 26}
